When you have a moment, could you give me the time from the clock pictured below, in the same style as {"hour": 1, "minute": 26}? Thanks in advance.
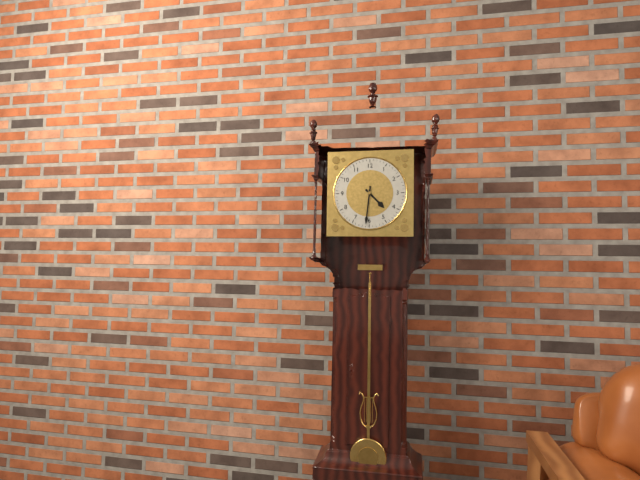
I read {"hour": 4, "minute": 31}
